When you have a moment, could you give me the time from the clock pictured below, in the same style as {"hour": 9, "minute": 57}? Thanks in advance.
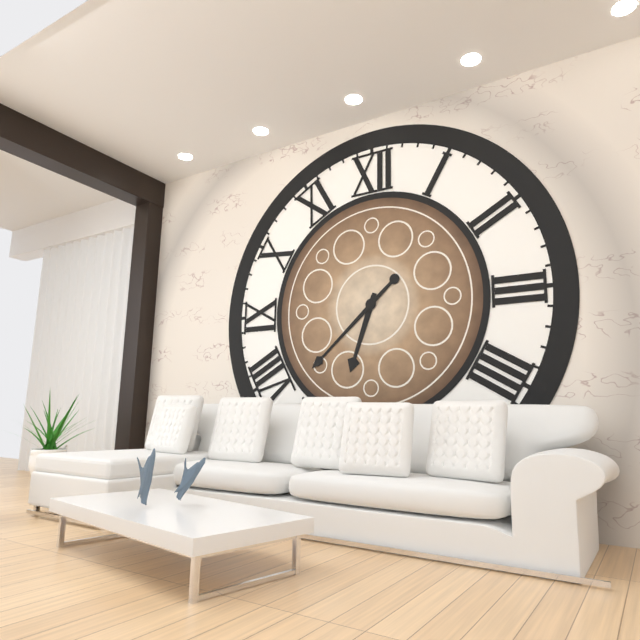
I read {"hour": 6, "minute": 38}
